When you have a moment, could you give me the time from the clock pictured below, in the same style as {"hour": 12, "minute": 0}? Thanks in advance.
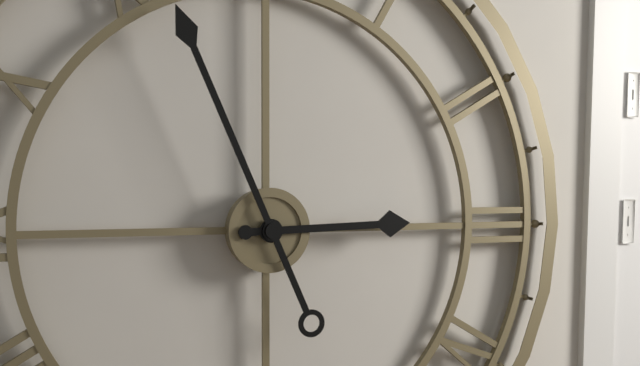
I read {"hour": 2, "minute": 56}
